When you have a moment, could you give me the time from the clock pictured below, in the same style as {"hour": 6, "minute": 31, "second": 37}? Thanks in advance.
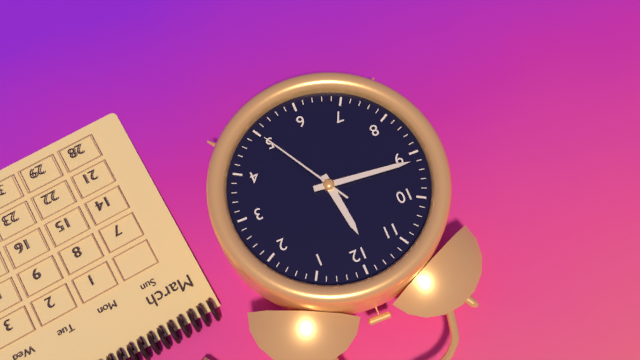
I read {"hour": 11, "minute": 46, "second": 25}
